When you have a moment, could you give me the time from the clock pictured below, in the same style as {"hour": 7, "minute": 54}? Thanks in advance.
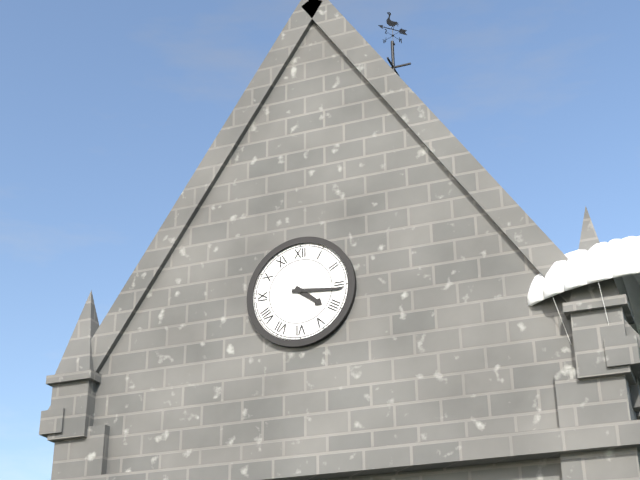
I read {"hour": 4, "minute": 16}
